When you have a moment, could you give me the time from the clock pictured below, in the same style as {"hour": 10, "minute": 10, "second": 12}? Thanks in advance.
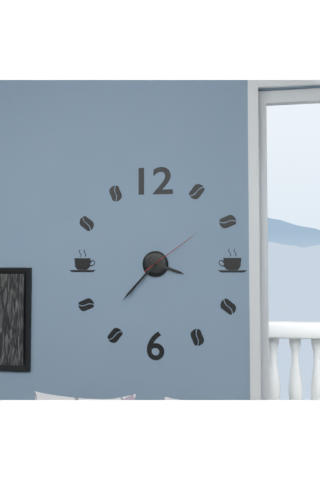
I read {"hour": 3, "minute": 37, "second": 9}
